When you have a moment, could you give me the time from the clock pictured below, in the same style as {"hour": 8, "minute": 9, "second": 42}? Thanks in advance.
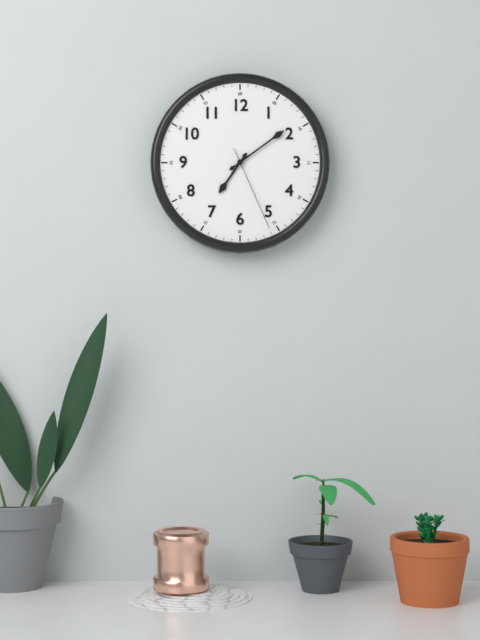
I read {"hour": 7, "minute": 9, "second": 26}
